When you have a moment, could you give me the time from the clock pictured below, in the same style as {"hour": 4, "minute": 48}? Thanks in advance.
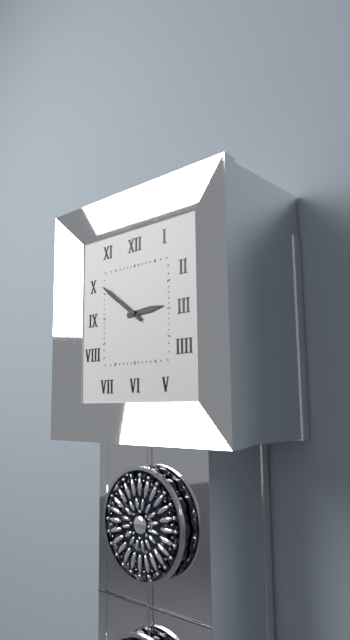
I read {"hour": 2, "minute": 51}
